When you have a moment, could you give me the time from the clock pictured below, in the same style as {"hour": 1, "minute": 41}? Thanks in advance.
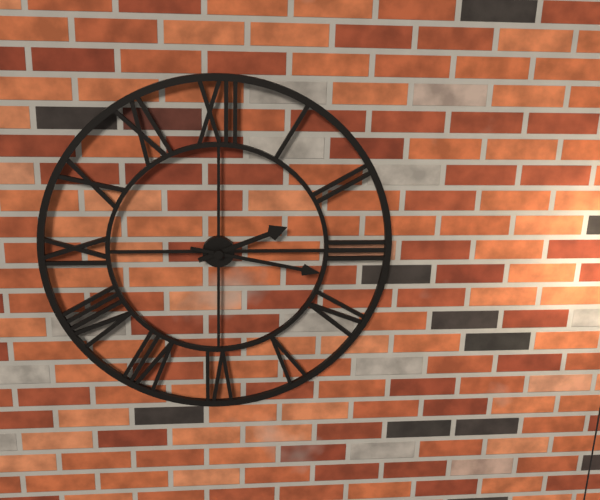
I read {"hour": 2, "minute": 17}
